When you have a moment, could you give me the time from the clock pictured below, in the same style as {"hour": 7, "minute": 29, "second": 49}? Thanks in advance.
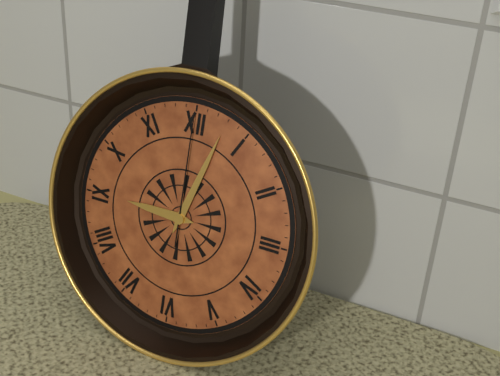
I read {"hour": 9, "minute": 3, "second": 0}
